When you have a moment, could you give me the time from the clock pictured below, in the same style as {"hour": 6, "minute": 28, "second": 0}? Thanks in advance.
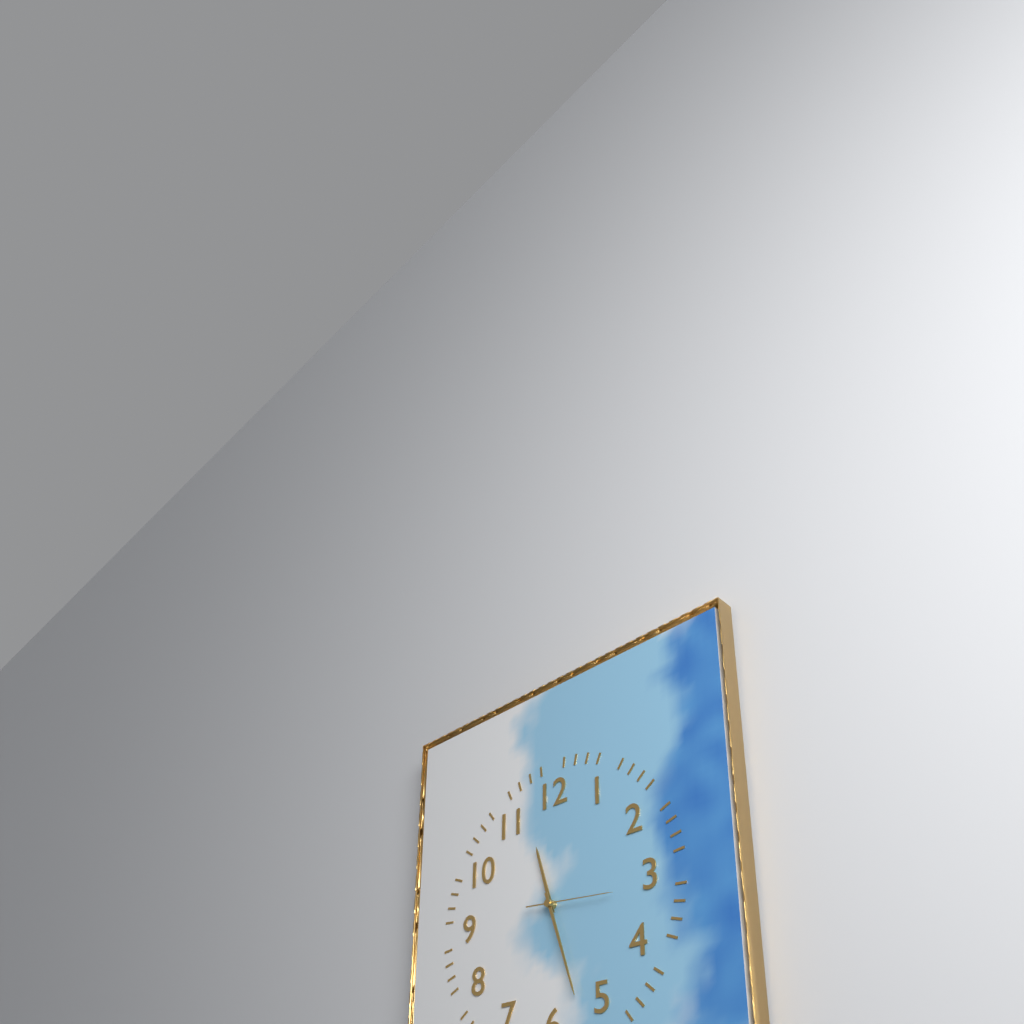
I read {"hour": 11, "minute": 27, "second": 16}
